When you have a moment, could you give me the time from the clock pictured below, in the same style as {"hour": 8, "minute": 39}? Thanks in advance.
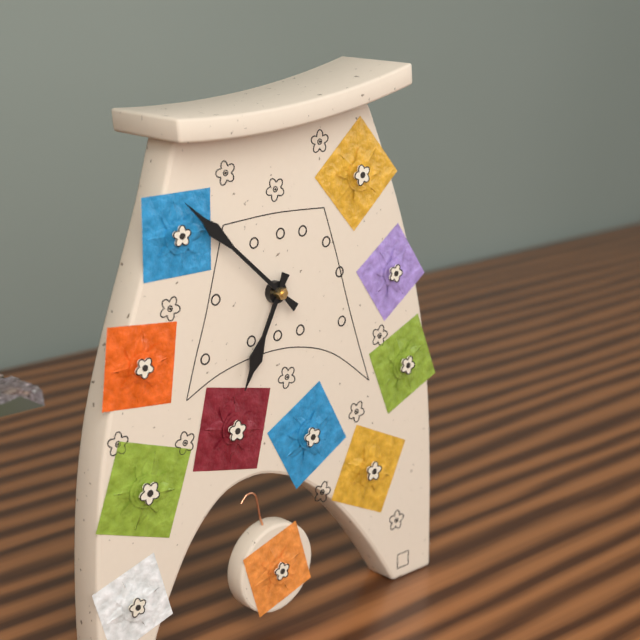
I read {"hour": 6, "minute": 52}
